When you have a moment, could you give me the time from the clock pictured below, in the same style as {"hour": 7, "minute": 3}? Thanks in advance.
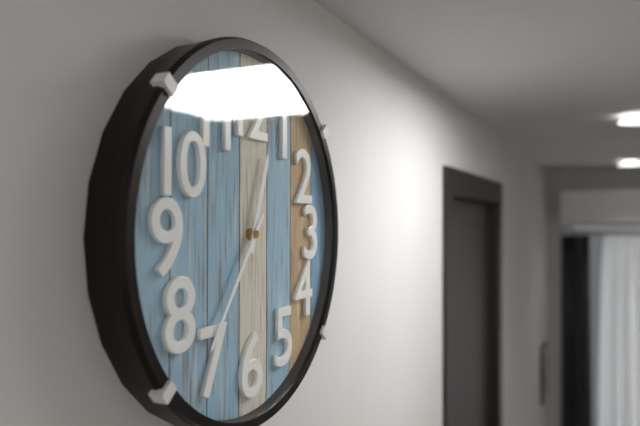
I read {"hour": 12, "minute": 36}
